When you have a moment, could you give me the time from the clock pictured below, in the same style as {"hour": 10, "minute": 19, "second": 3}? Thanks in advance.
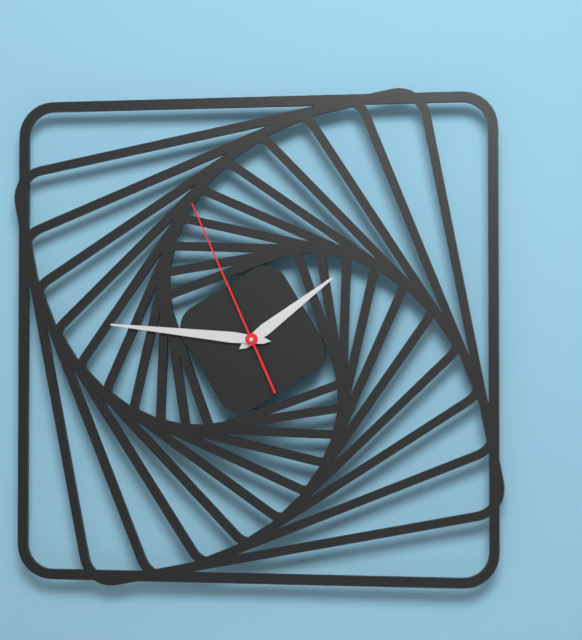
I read {"hour": 1, "minute": 46, "second": 56}
